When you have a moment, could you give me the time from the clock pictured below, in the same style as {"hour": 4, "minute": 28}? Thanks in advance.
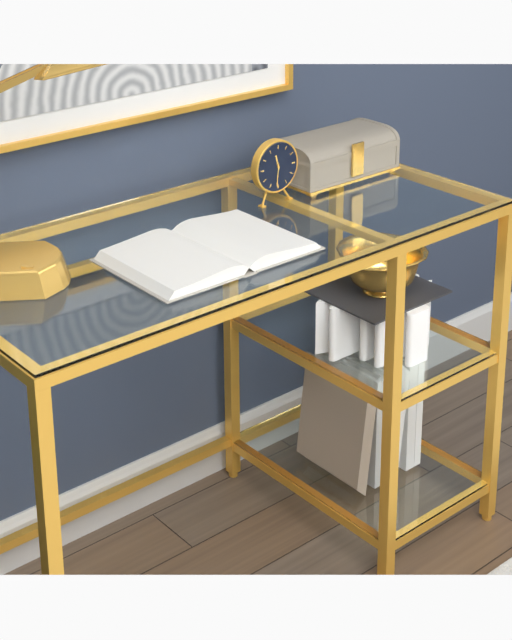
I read {"hour": 11, "minute": 31}
